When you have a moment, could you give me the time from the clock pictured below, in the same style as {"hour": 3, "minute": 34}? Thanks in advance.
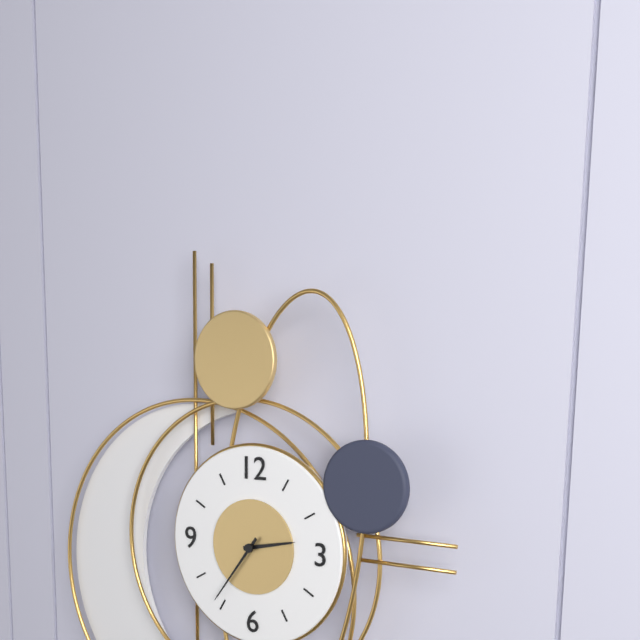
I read {"hour": 2, "minute": 36}
